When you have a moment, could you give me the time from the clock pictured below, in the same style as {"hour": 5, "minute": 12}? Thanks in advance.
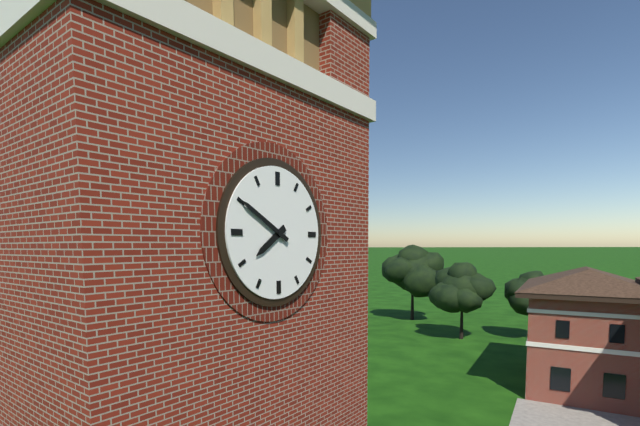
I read {"hour": 7, "minute": 50}
